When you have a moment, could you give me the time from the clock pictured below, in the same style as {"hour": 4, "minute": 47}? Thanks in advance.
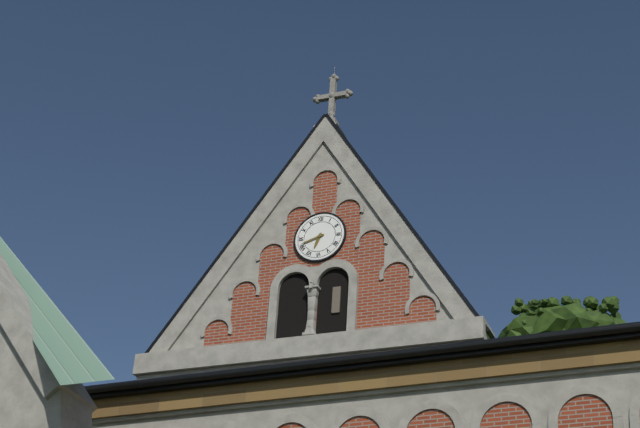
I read {"hour": 6, "minute": 42}
